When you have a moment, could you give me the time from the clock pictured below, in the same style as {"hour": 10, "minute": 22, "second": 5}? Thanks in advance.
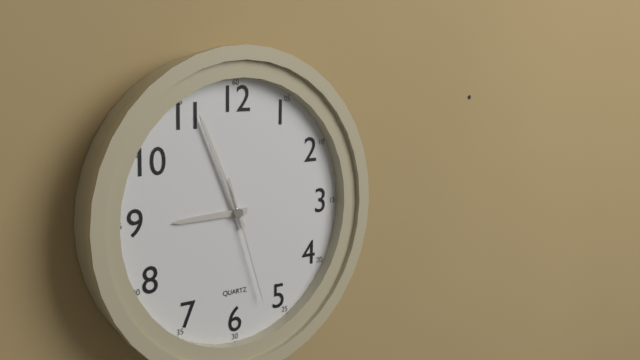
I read {"hour": 8, "minute": 56, "second": 27}
